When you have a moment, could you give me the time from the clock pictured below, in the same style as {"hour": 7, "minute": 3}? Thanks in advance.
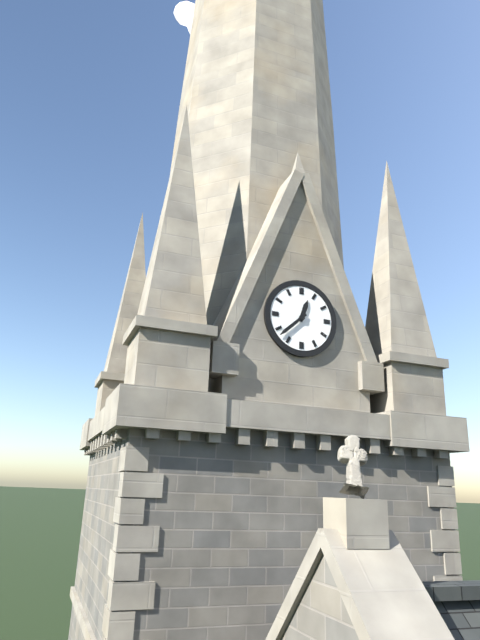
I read {"hour": 12, "minute": 38}
